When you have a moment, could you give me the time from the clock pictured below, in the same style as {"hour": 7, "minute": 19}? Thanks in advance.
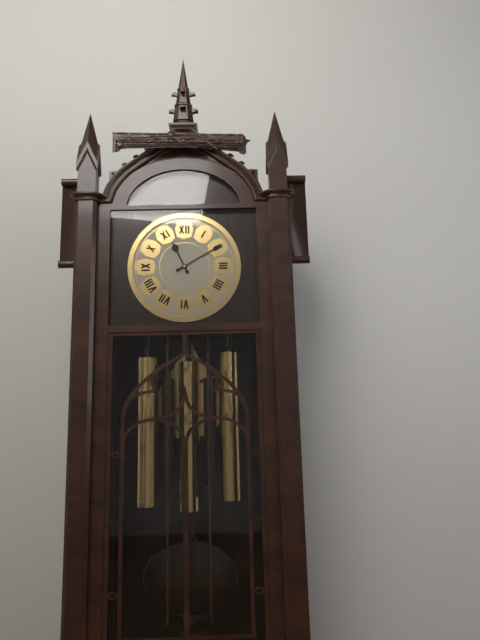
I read {"hour": 11, "minute": 10}
